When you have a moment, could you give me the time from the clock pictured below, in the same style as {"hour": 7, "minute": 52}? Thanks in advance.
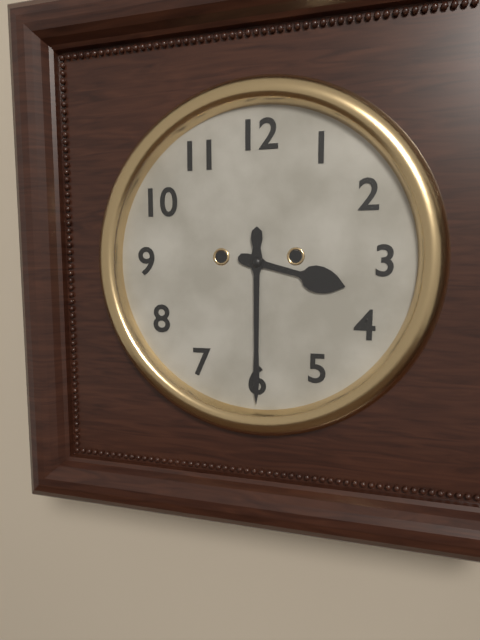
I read {"hour": 3, "minute": 30}
